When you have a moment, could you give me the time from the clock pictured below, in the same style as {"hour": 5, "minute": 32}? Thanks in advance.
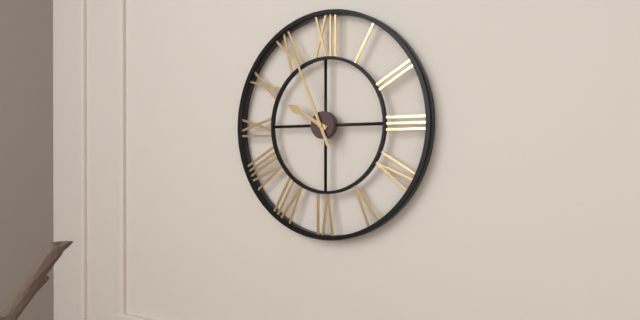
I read {"hour": 9, "minute": 56}
